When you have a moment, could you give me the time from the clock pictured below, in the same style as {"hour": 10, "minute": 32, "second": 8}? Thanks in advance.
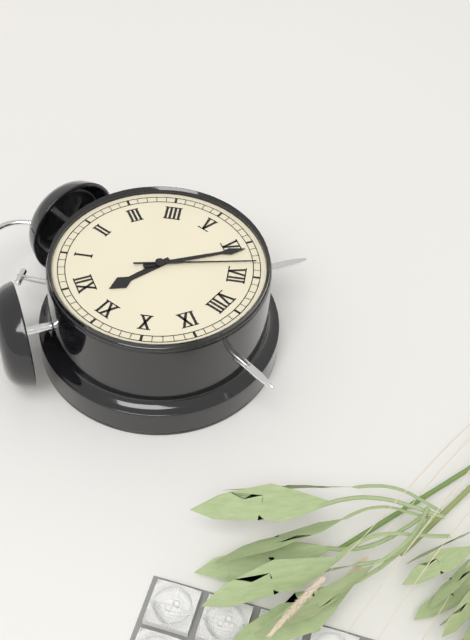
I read {"hour": 11, "minute": 31, "second": 33}
